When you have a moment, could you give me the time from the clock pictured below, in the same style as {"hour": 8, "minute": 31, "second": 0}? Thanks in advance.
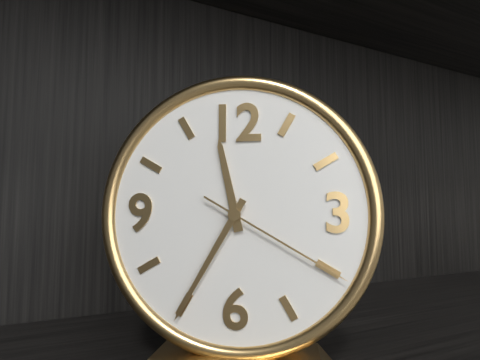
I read {"hour": 11, "minute": 35, "second": 20}
